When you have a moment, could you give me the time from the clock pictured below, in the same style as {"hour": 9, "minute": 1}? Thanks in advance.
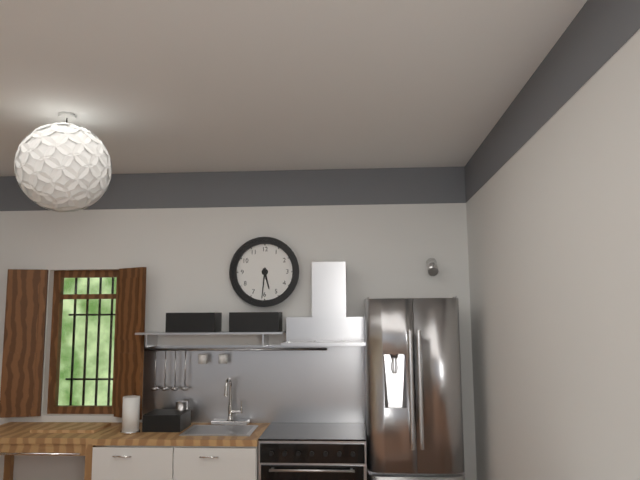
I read {"hour": 5, "minute": 31}
